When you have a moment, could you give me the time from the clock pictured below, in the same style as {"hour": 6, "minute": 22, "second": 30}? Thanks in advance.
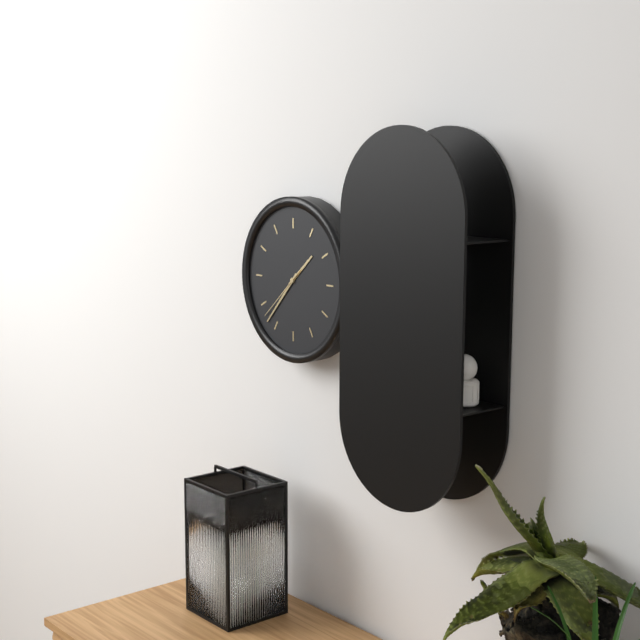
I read {"hour": 1, "minute": 37, "second": 38}
